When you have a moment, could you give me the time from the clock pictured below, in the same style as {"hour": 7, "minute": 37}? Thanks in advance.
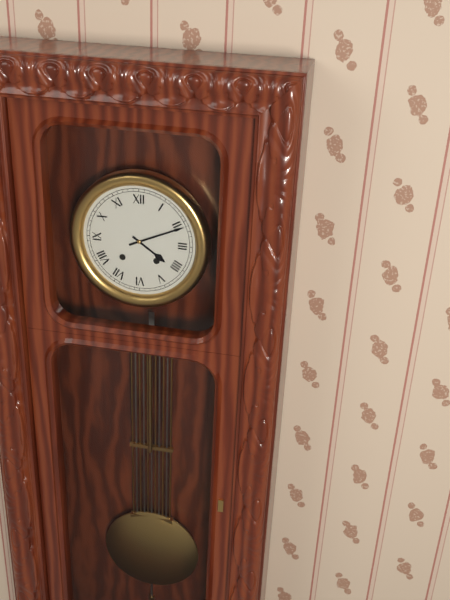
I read {"hour": 4, "minute": 11}
